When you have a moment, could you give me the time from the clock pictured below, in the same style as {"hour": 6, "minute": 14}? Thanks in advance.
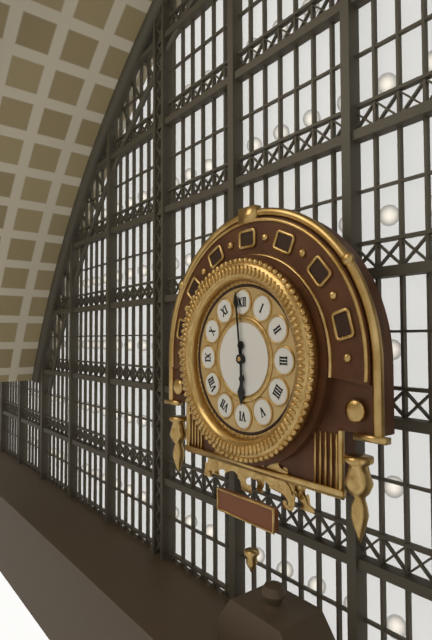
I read {"hour": 5, "minute": 59}
